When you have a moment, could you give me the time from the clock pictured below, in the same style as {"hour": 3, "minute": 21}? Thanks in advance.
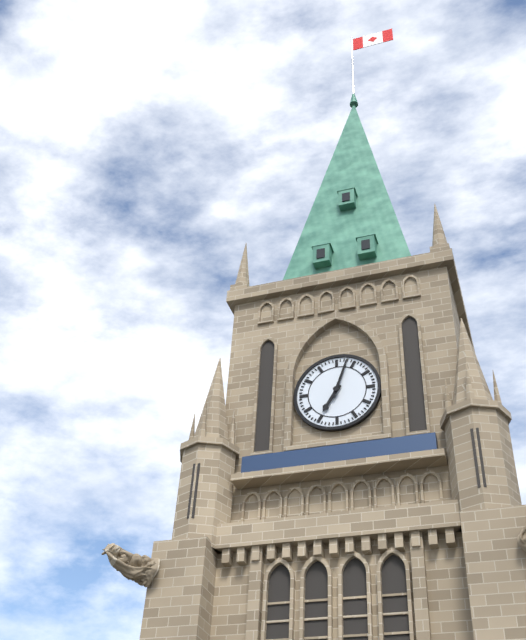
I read {"hour": 7, "minute": 3}
